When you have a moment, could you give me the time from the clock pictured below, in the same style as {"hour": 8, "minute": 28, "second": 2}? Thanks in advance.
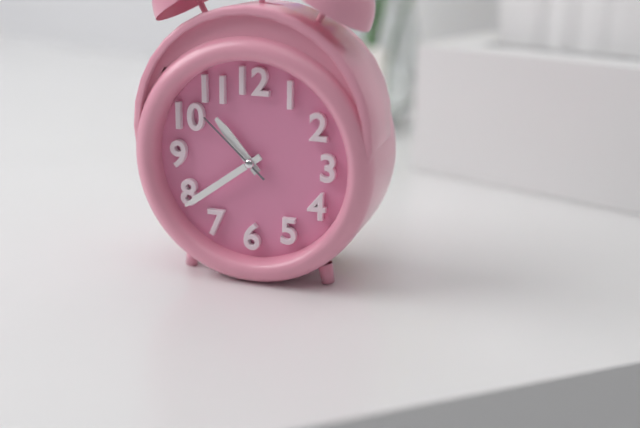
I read {"hour": 10, "minute": 39, "second": 52}
